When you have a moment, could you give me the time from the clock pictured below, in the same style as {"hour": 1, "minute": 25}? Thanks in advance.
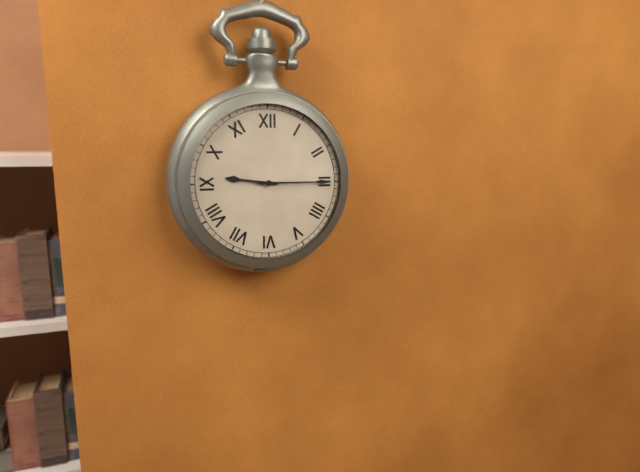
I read {"hour": 9, "minute": 15}
